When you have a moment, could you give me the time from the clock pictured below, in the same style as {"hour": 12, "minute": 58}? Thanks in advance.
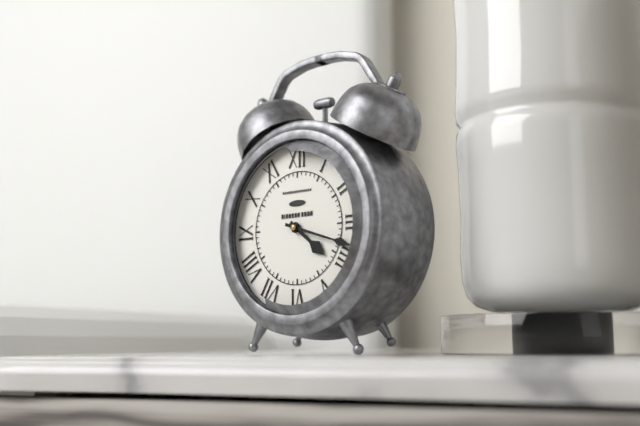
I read {"hour": 4, "minute": 18}
